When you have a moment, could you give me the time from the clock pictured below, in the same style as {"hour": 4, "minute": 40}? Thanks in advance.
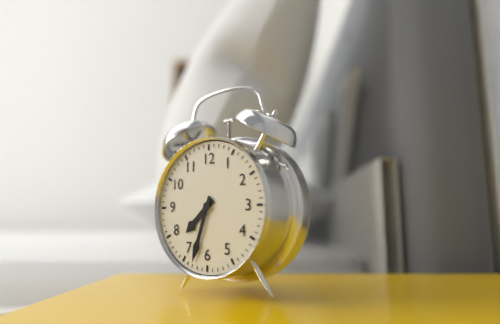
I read {"hour": 7, "minute": 33}
